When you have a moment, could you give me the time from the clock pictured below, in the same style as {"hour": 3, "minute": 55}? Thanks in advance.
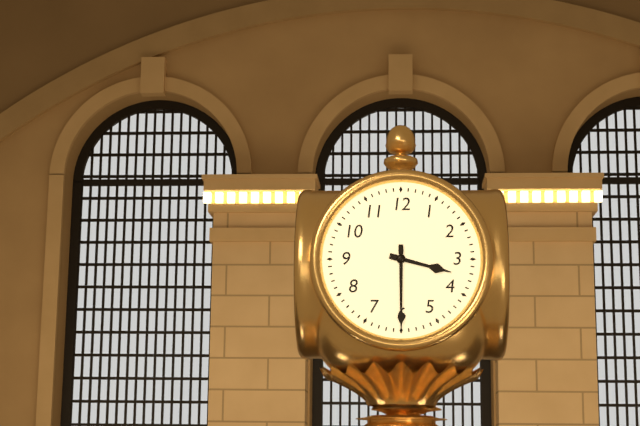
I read {"hour": 3, "minute": 30}
